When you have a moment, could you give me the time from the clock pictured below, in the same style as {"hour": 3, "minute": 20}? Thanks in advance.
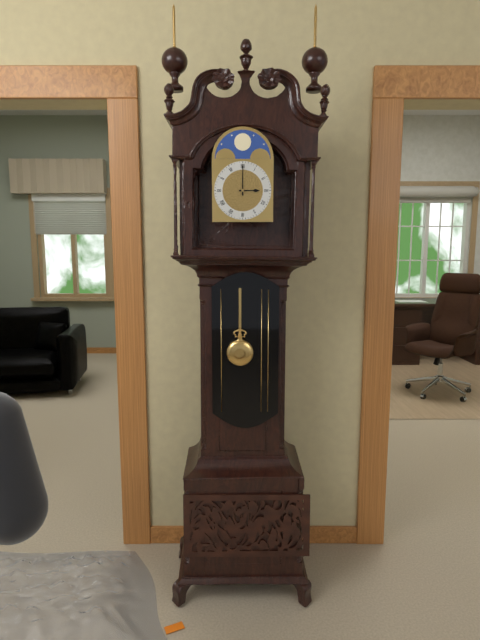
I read {"hour": 3, "minute": 0}
